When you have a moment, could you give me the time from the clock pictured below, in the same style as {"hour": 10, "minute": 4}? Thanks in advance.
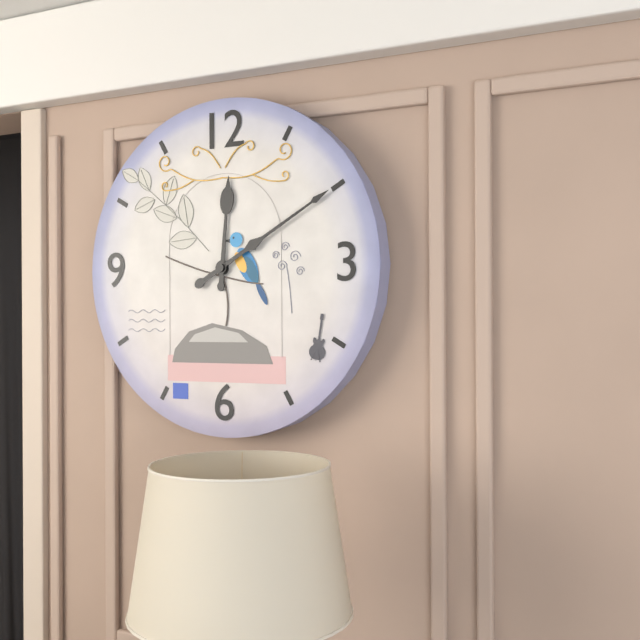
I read {"hour": 12, "minute": 10}
